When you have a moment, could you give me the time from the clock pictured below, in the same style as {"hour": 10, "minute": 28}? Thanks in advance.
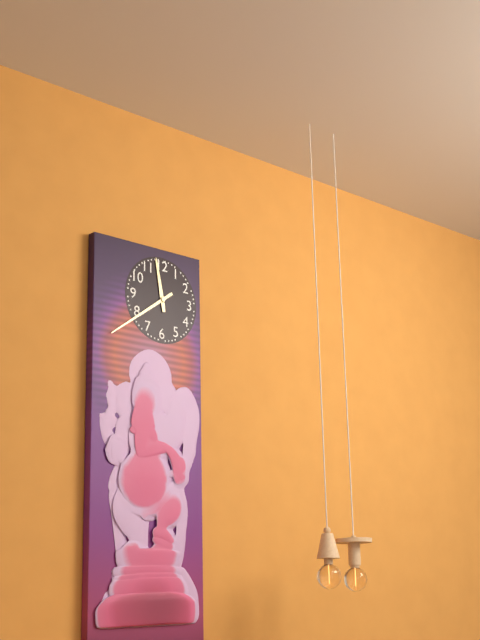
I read {"hour": 11, "minute": 39}
